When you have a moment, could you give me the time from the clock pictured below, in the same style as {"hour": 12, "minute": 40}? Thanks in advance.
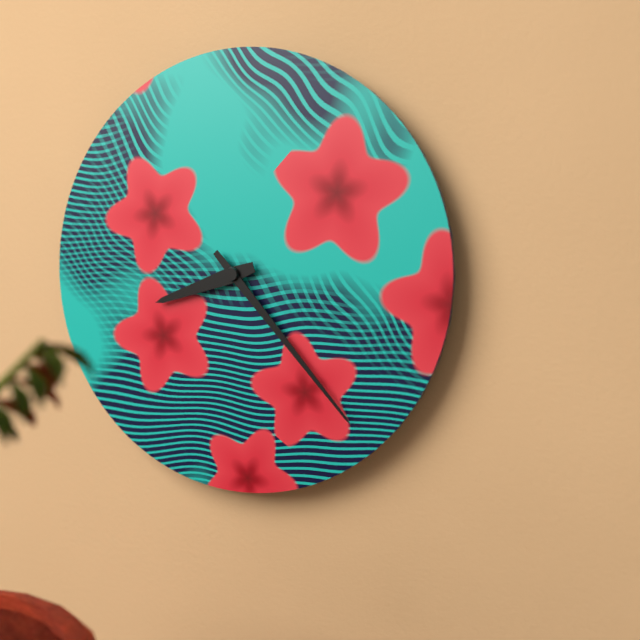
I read {"hour": 8, "minute": 23}
